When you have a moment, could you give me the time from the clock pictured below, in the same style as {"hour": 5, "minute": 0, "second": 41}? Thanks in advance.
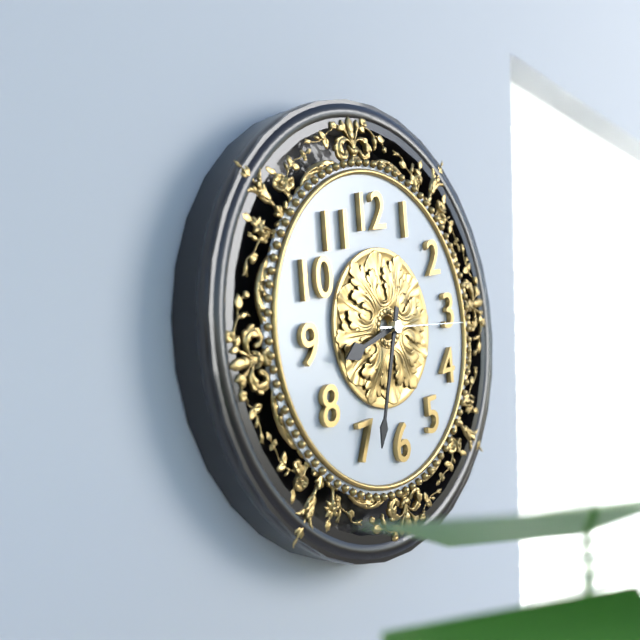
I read {"hour": 8, "minute": 34, "second": 16}
